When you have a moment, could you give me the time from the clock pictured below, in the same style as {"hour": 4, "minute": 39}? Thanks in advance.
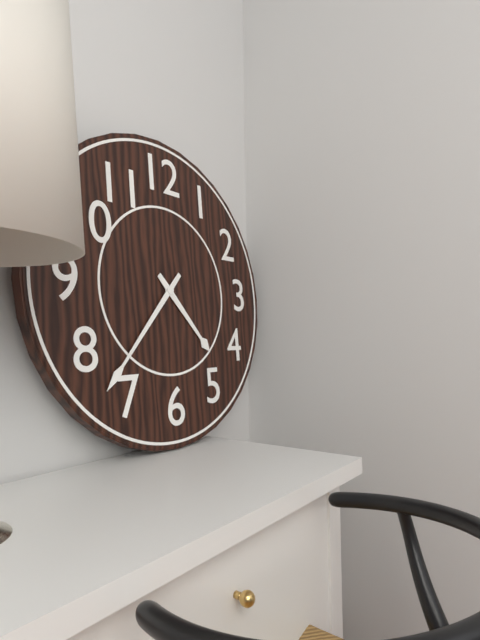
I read {"hour": 4, "minute": 37}
